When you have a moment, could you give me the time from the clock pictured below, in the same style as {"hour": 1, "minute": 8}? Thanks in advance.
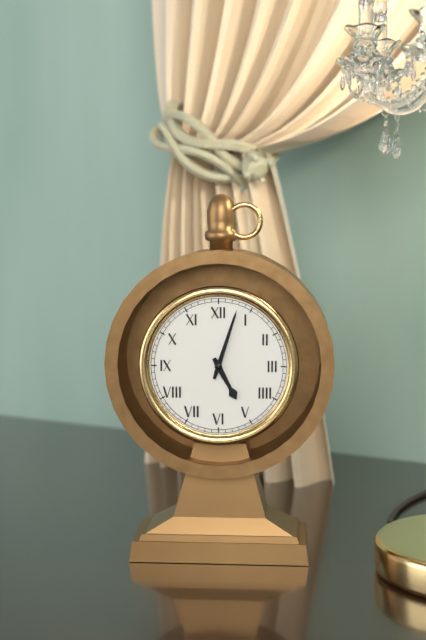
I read {"hour": 5, "minute": 3}
